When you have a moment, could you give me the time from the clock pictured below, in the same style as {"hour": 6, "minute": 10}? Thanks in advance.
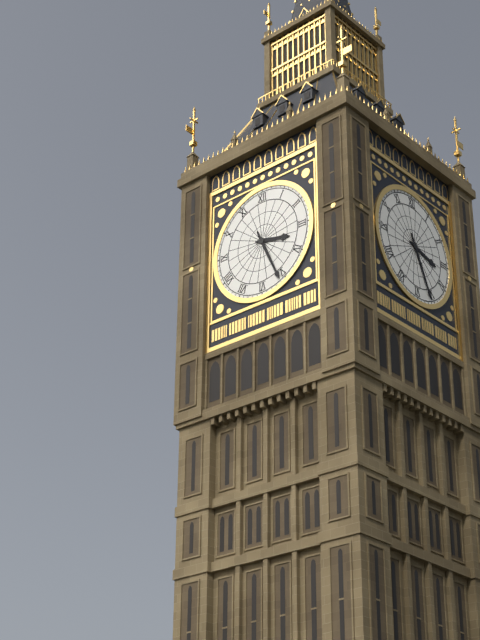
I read {"hour": 3, "minute": 26}
